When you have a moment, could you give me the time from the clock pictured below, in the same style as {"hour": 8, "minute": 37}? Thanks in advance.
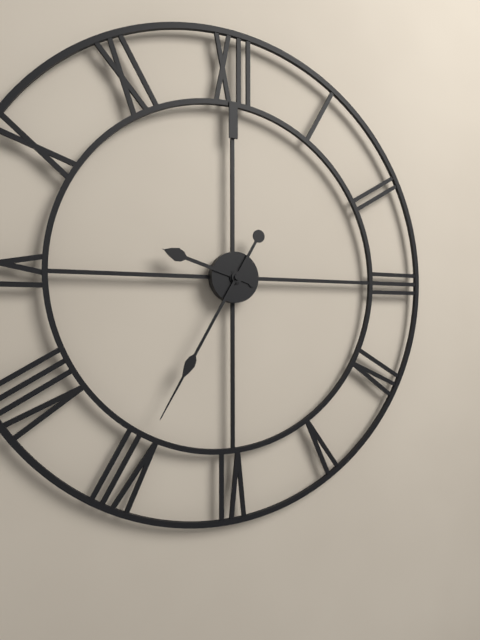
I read {"hour": 9, "minute": 35}
